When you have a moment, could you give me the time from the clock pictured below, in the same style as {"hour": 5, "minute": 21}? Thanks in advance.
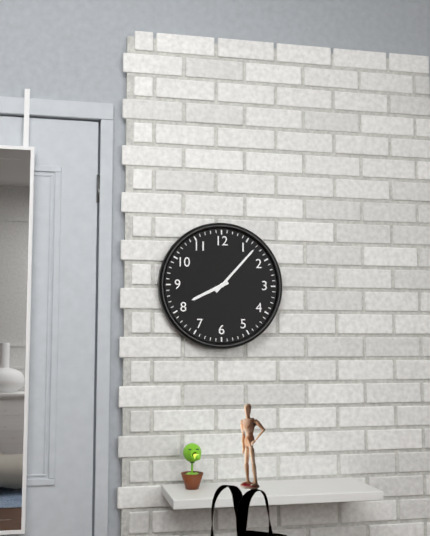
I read {"hour": 8, "minute": 7}
